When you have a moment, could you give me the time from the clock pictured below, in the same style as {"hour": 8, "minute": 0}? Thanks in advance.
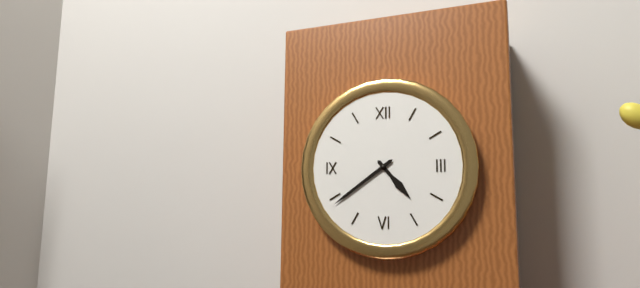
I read {"hour": 4, "minute": 39}
